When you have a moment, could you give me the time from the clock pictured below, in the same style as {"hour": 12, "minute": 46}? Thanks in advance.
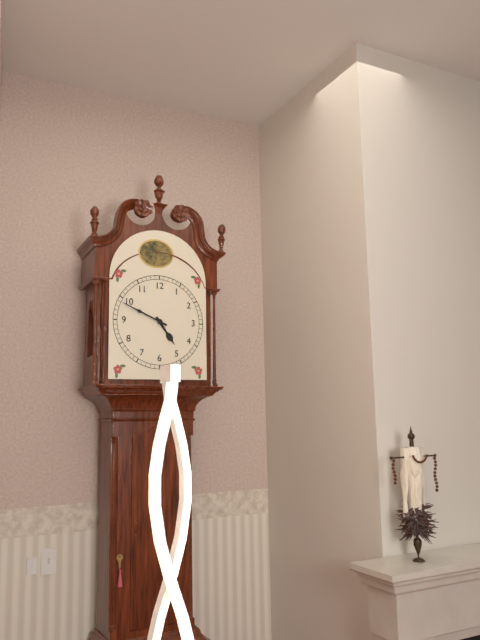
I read {"hour": 4, "minute": 49}
